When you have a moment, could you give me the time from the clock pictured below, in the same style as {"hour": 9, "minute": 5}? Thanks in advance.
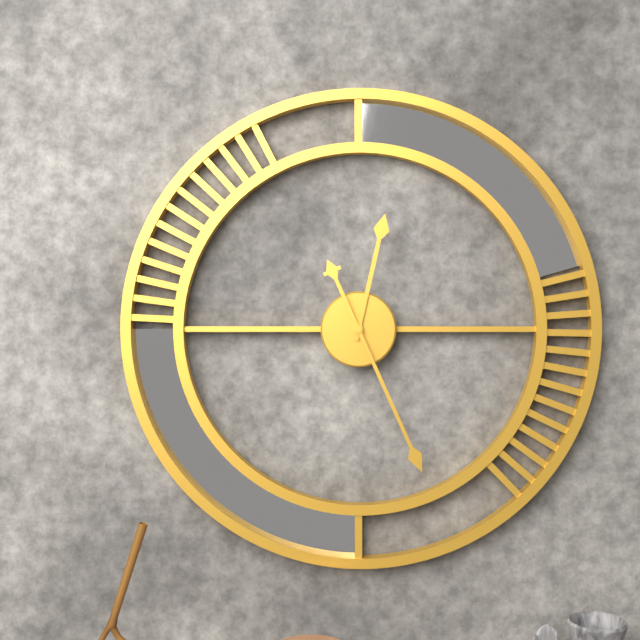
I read {"hour": 12, "minute": 26}
